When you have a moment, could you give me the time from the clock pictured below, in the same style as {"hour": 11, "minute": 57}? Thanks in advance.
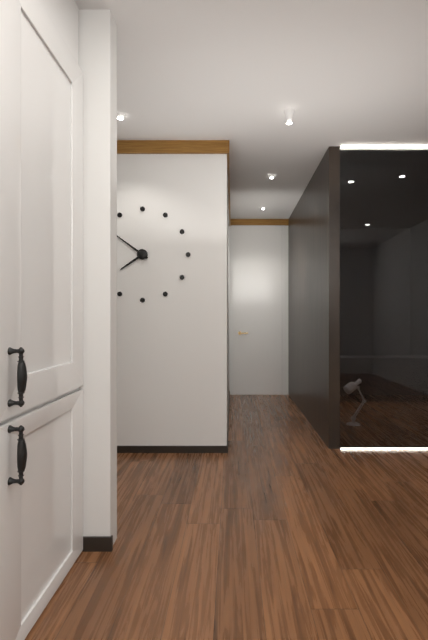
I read {"hour": 7, "minute": 51}
